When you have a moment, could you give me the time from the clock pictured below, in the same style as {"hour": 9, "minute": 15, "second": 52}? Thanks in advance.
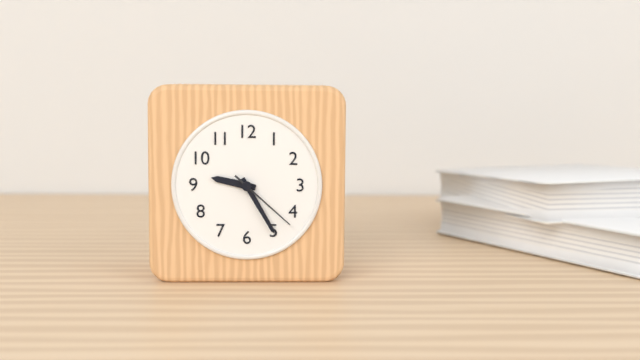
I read {"hour": 9, "minute": 25, "second": 22}
